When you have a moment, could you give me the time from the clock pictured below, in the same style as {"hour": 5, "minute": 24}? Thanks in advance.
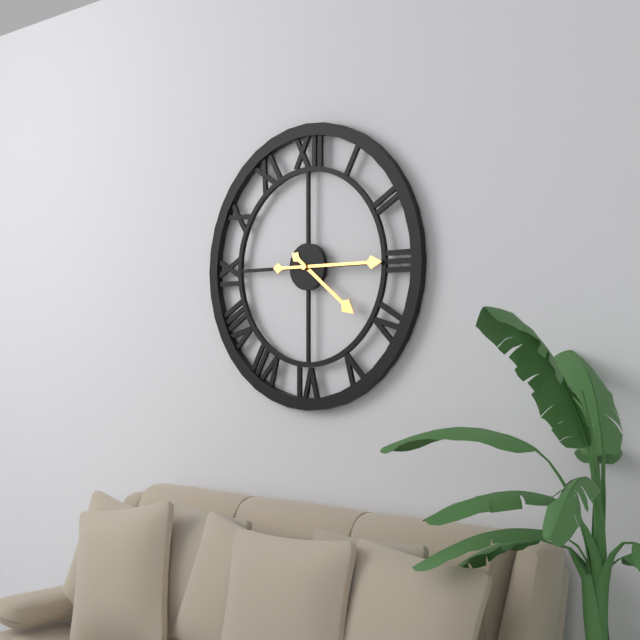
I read {"hour": 4, "minute": 15}
